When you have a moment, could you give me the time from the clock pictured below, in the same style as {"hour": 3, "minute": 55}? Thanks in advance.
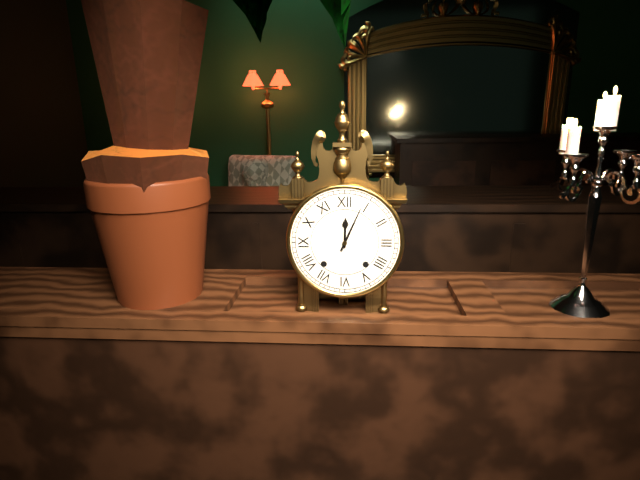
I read {"hour": 12, "minute": 4}
